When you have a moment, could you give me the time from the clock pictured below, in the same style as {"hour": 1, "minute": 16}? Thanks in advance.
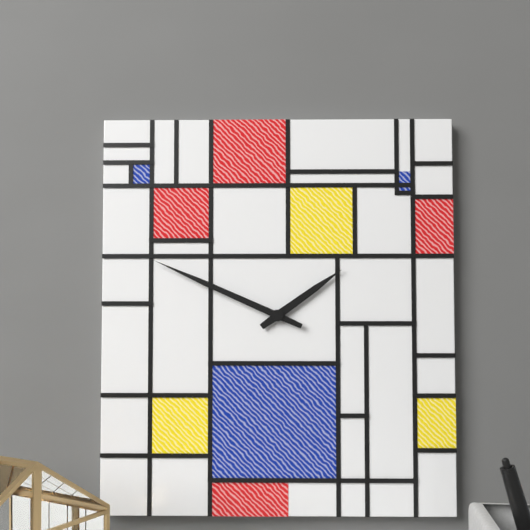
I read {"hour": 1, "minute": 49}
